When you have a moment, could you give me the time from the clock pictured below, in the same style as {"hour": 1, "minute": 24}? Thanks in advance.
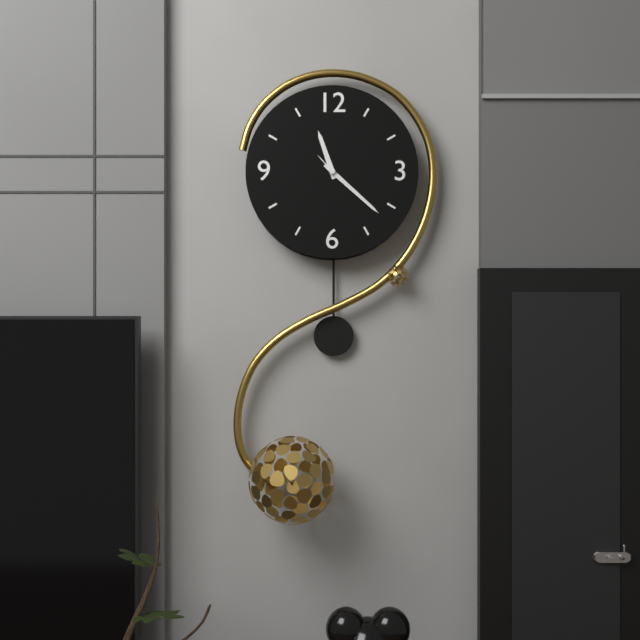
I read {"hour": 11, "minute": 22}
